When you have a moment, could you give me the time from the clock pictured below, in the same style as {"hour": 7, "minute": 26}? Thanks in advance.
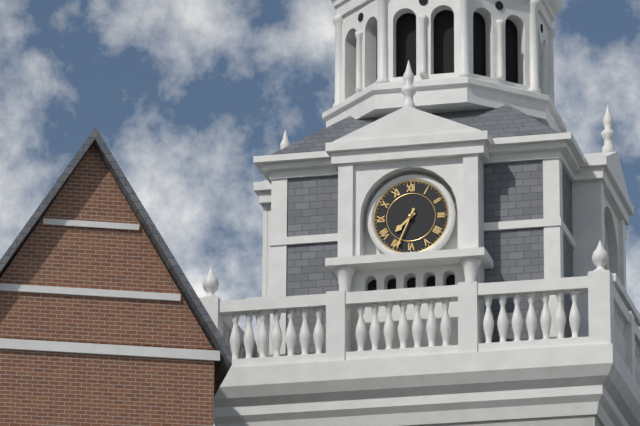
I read {"hour": 7, "minute": 34}
